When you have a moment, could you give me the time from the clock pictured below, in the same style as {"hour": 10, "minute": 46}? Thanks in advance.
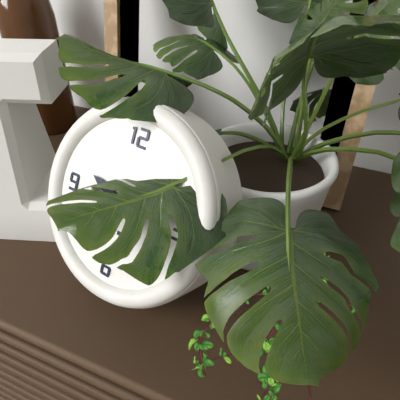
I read {"hour": 9, "minute": 44}
